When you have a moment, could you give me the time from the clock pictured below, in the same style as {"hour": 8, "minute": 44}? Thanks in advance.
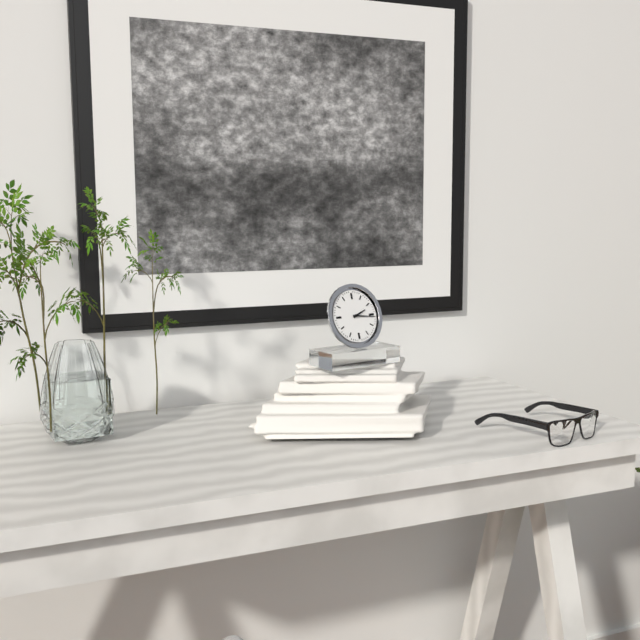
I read {"hour": 2, "minute": 16}
